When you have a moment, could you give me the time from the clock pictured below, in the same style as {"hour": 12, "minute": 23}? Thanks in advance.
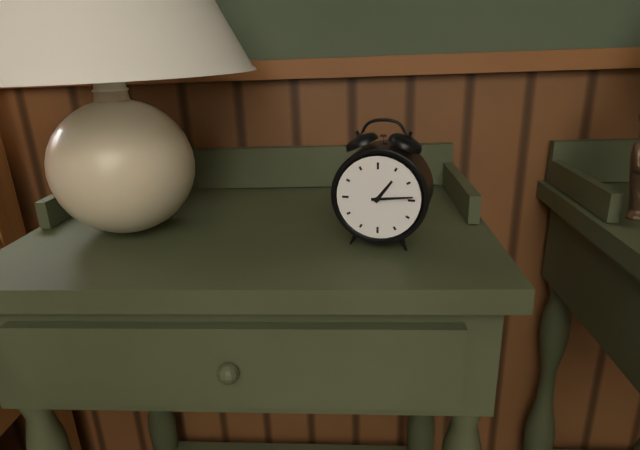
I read {"hour": 1, "minute": 14}
